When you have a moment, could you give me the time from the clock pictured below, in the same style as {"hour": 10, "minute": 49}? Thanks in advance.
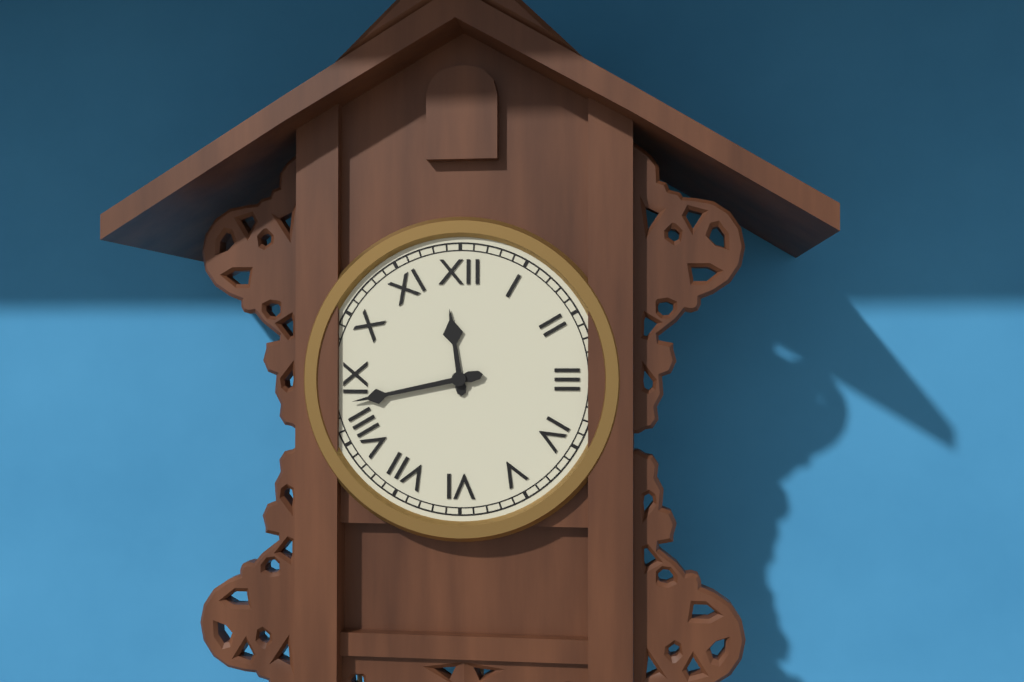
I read {"hour": 11, "minute": 43}
